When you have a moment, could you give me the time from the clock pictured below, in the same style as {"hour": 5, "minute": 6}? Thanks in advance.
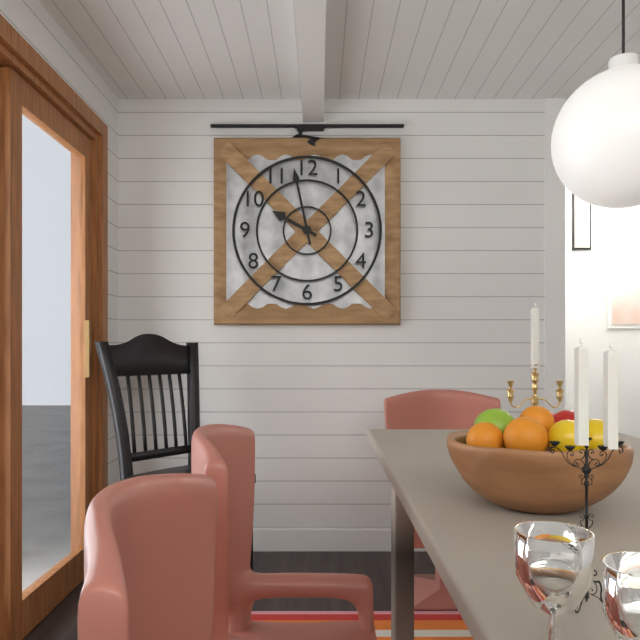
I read {"hour": 9, "minute": 58}
